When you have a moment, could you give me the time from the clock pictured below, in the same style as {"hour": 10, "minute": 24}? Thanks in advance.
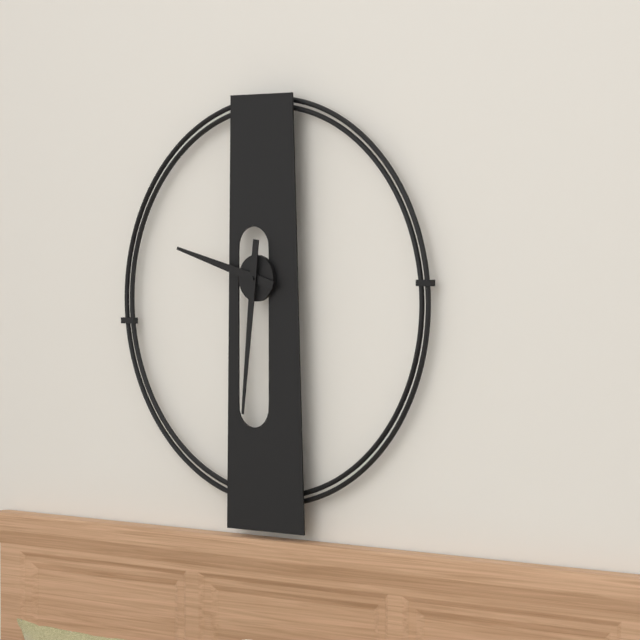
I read {"hour": 9, "minute": 31}
